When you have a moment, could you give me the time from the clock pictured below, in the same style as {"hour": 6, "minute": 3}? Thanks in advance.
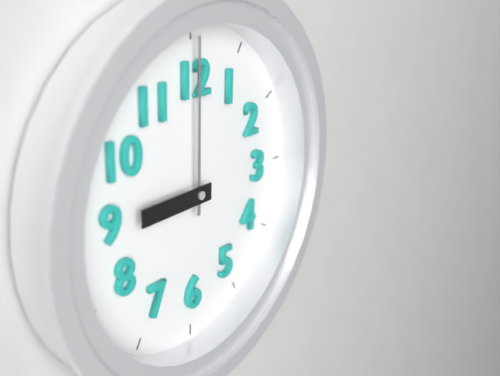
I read {"hour": 9, "minute": 0}
